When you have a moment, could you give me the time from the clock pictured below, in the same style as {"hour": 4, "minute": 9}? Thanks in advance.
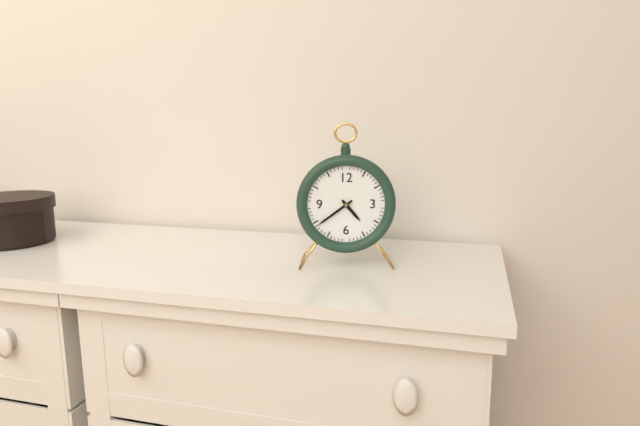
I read {"hour": 4, "minute": 39}
